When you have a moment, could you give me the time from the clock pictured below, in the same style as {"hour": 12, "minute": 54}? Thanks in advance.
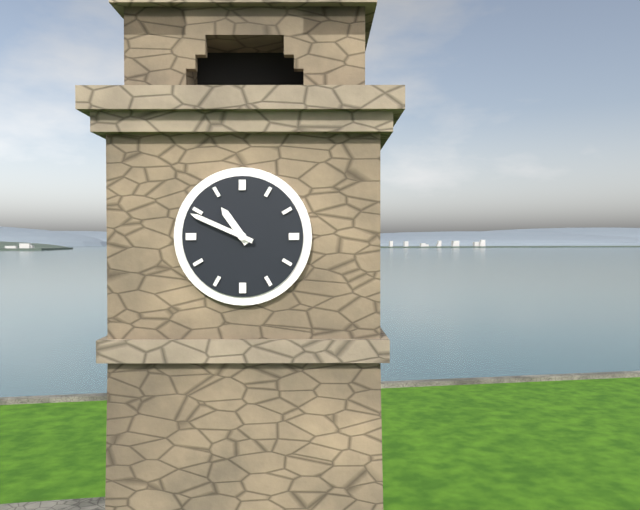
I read {"hour": 10, "minute": 49}
